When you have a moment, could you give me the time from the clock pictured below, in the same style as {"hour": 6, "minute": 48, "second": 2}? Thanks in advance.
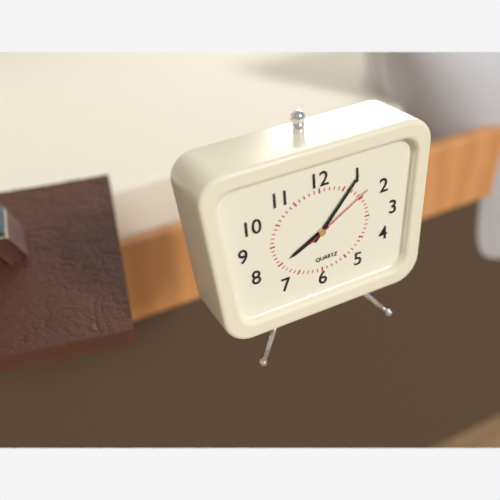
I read {"hour": 8, "minute": 7, "second": 10}
